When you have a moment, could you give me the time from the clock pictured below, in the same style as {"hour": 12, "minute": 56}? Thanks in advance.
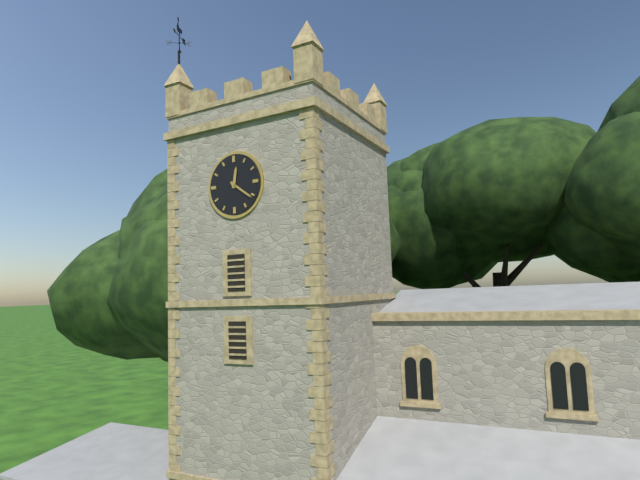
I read {"hour": 12, "minute": 21}
